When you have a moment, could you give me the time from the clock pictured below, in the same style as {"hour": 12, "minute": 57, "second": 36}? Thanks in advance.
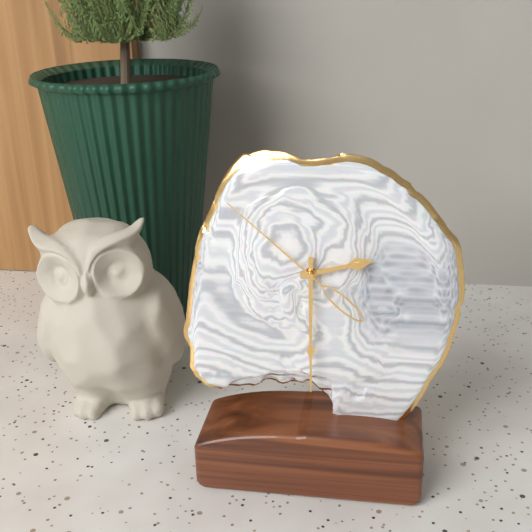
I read {"hour": 2, "minute": 30, "second": 52}
